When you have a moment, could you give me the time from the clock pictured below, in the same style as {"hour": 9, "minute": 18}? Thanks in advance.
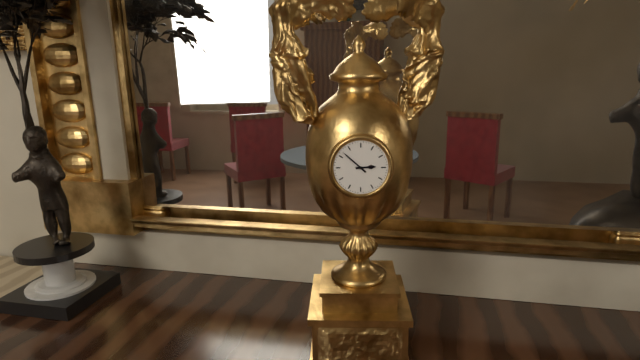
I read {"hour": 2, "minute": 52}
